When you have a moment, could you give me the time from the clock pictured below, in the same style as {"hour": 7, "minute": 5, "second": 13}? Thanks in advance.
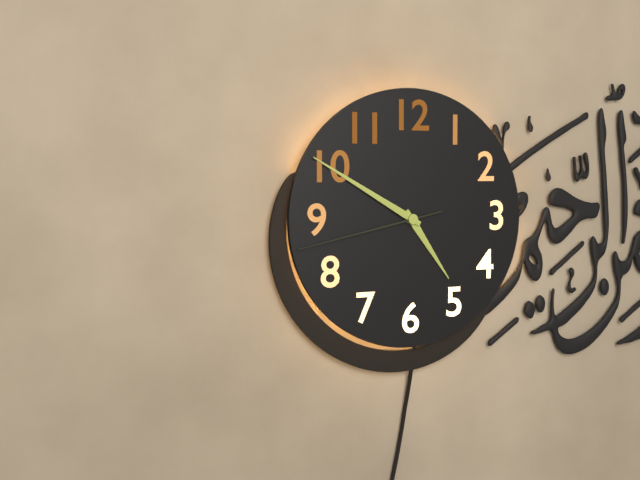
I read {"hour": 4, "minute": 50, "second": 43}
